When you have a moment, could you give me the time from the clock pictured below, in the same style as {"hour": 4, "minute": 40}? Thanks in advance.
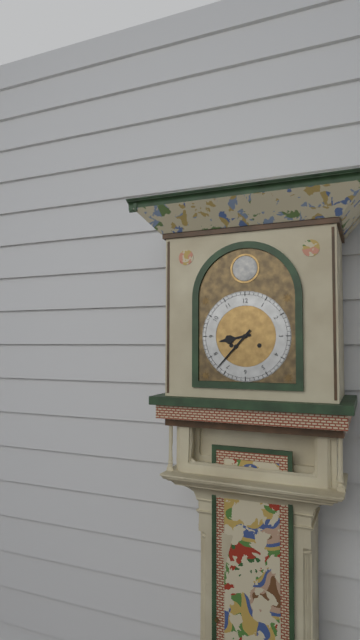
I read {"hour": 8, "minute": 37}
